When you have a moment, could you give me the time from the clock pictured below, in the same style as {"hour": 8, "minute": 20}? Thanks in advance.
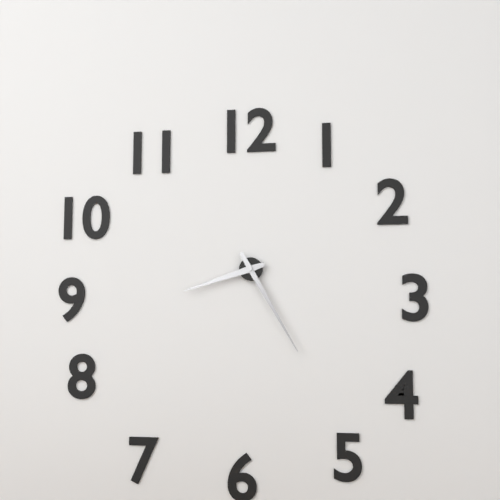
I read {"hour": 8, "minute": 25}
